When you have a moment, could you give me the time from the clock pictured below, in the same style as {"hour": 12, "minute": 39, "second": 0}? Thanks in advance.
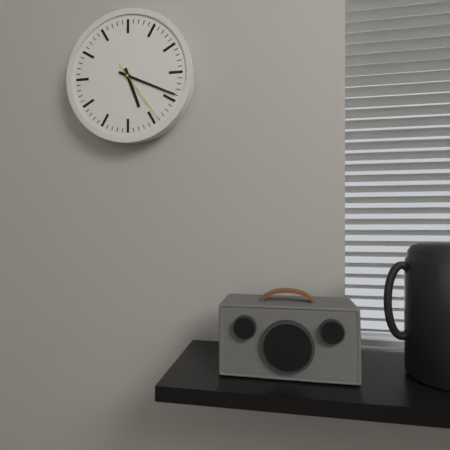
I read {"hour": 5, "minute": 19, "second": 24}
